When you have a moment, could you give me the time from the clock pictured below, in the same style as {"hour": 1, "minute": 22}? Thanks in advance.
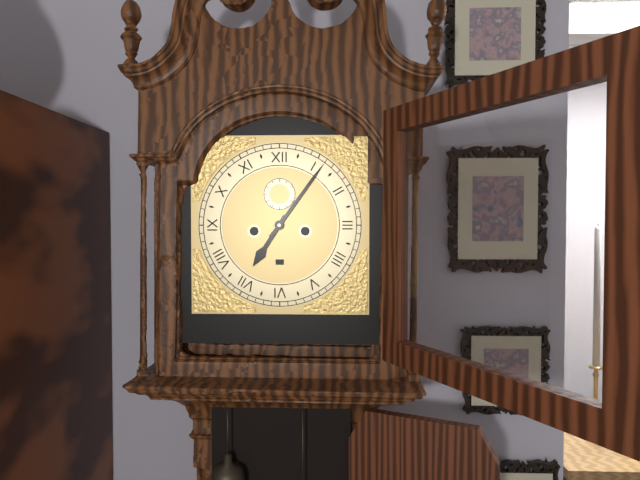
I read {"hour": 7, "minute": 6}
